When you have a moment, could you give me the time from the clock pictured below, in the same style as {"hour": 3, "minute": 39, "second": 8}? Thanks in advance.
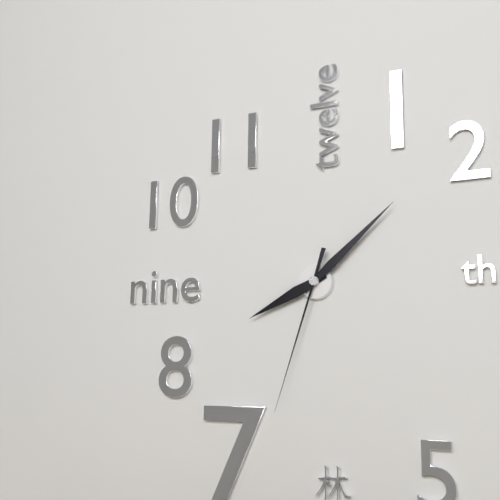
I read {"hour": 8, "minute": 8, "second": 33}
